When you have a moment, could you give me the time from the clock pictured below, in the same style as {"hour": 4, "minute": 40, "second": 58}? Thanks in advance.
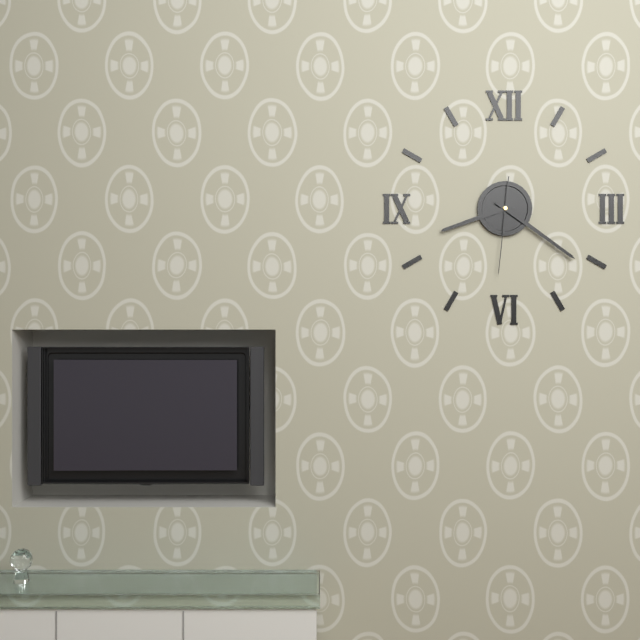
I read {"hour": 8, "minute": 21, "second": 31}
